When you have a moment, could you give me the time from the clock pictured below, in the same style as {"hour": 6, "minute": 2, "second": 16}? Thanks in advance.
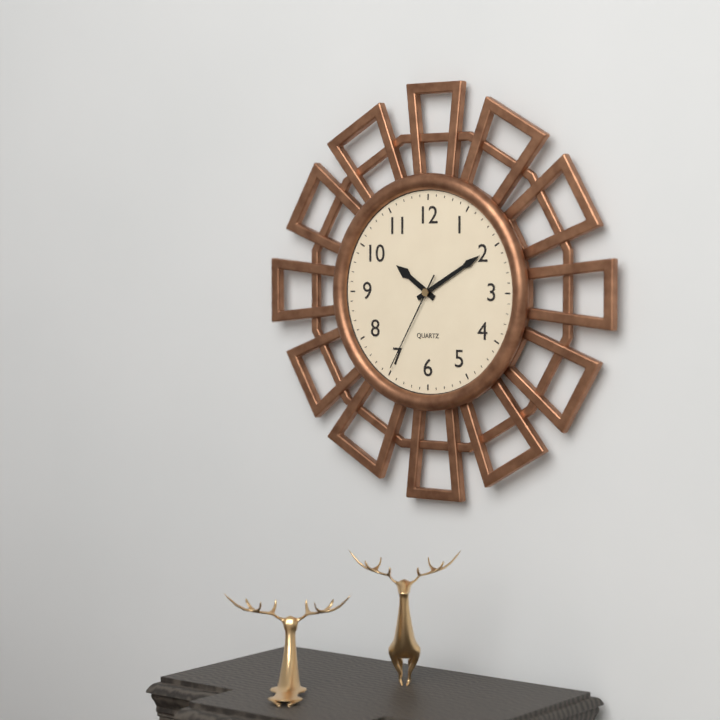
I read {"hour": 10, "minute": 10, "second": 35}
